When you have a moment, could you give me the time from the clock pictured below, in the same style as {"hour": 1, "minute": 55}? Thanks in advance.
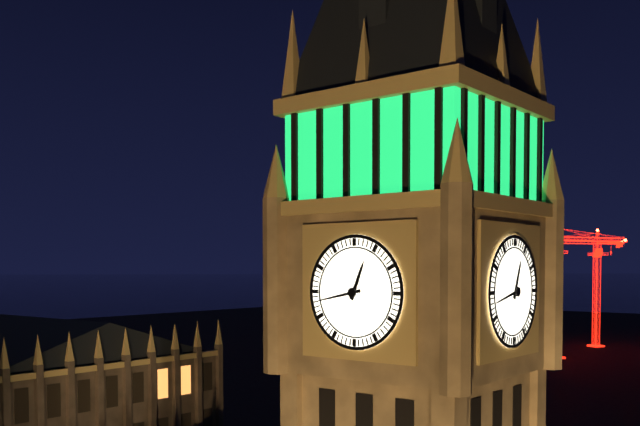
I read {"hour": 12, "minute": 43}
